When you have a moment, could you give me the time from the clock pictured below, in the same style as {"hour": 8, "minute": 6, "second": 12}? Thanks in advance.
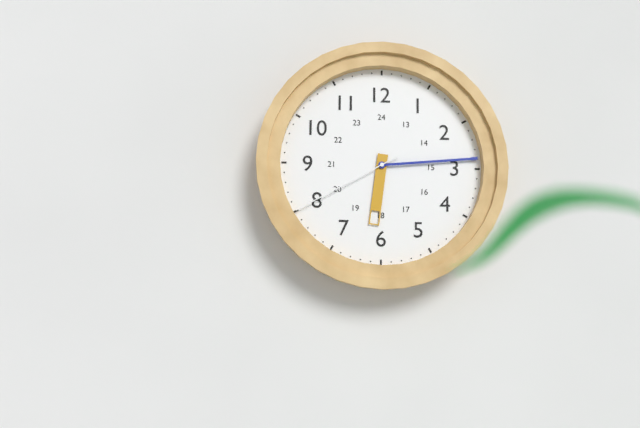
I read {"hour": 6, "minute": 14, "second": 40}
